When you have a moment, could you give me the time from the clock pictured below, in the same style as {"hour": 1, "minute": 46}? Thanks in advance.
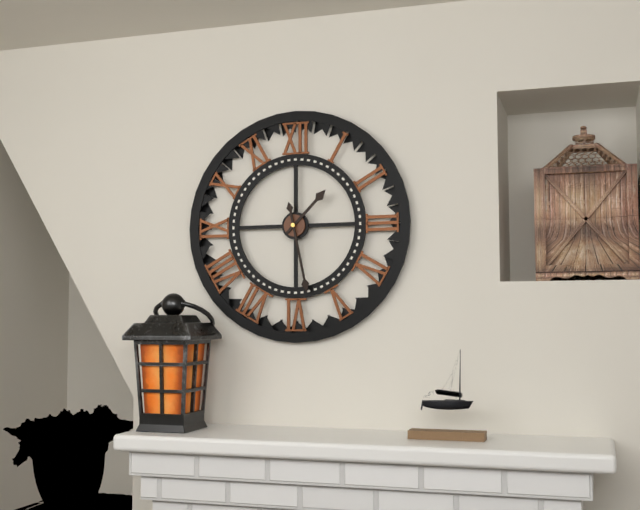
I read {"hour": 1, "minute": 28}
